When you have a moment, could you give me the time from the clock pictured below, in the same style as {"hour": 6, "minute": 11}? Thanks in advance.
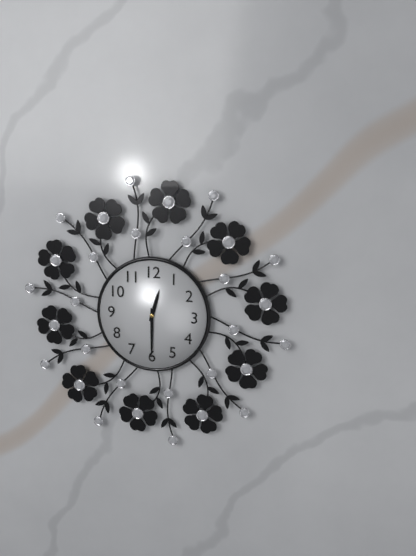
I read {"hour": 12, "minute": 30}
